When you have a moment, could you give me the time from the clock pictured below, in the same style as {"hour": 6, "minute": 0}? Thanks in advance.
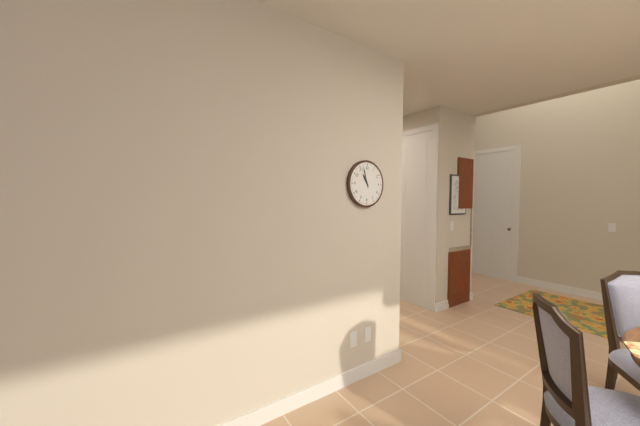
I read {"hour": 10, "minute": 57}
